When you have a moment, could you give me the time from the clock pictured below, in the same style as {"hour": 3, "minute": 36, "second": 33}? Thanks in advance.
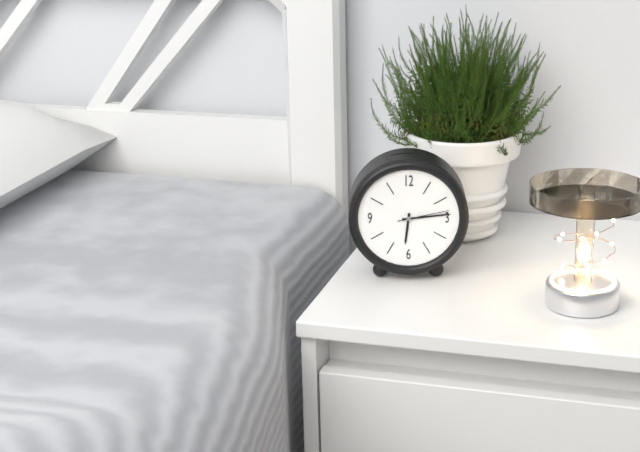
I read {"hour": 6, "minute": 14, "second": 13}
